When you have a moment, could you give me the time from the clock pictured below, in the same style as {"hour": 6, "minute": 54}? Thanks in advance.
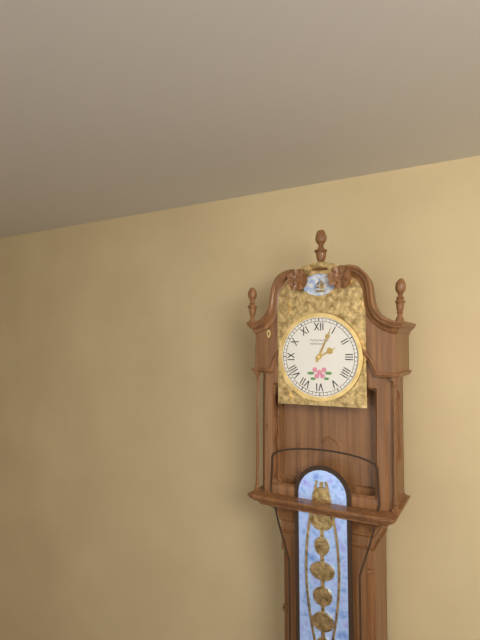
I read {"hour": 2, "minute": 4}
